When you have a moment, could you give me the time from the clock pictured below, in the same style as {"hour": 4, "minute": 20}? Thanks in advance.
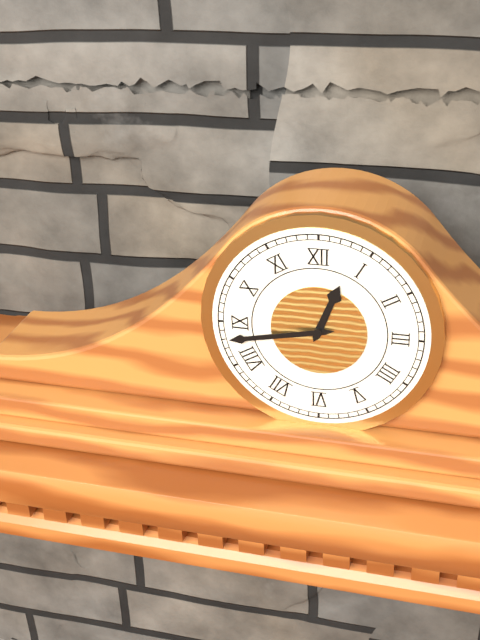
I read {"hour": 12, "minute": 43}
